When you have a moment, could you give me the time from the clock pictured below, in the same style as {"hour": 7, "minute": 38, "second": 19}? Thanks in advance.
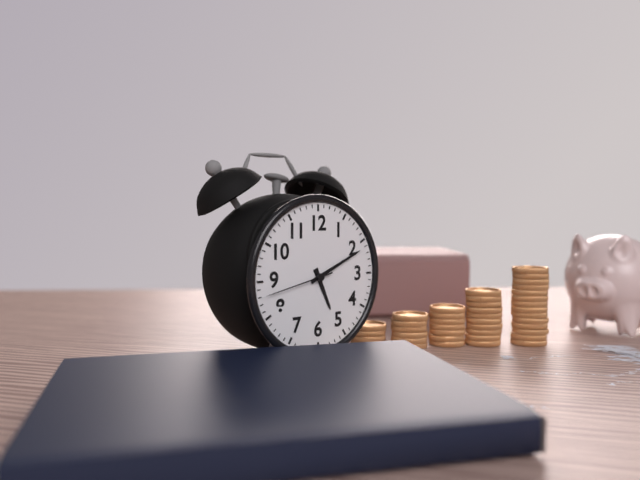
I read {"hour": 5, "minute": 11, "second": 43}
